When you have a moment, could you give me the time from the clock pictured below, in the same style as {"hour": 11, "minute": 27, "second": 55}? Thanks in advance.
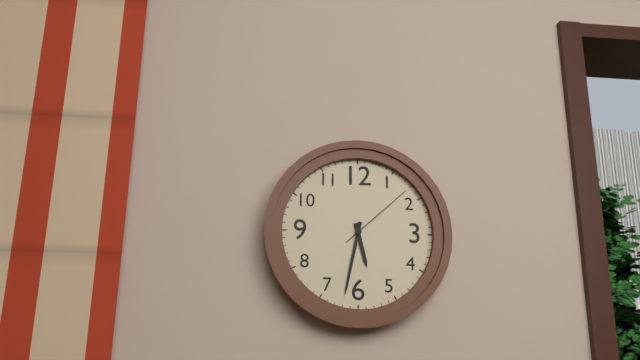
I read {"hour": 5, "minute": 32, "second": 8}
